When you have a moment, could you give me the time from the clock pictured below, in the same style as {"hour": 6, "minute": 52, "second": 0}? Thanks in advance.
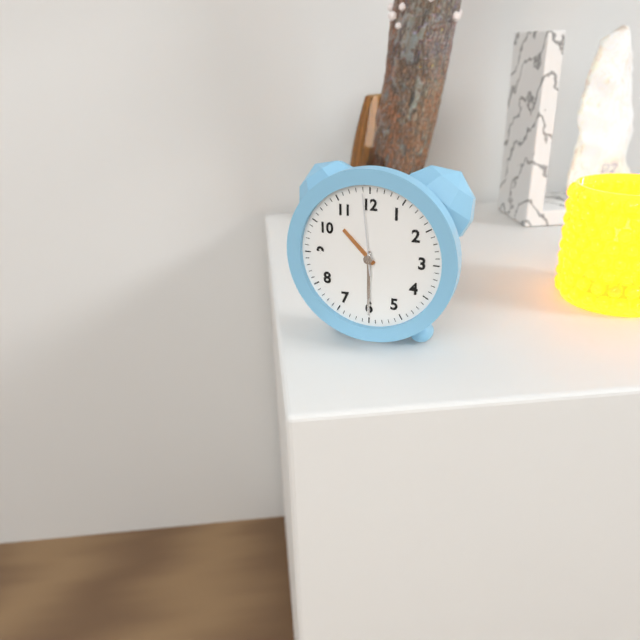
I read {"hour": 10, "minute": 30, "second": 59}
